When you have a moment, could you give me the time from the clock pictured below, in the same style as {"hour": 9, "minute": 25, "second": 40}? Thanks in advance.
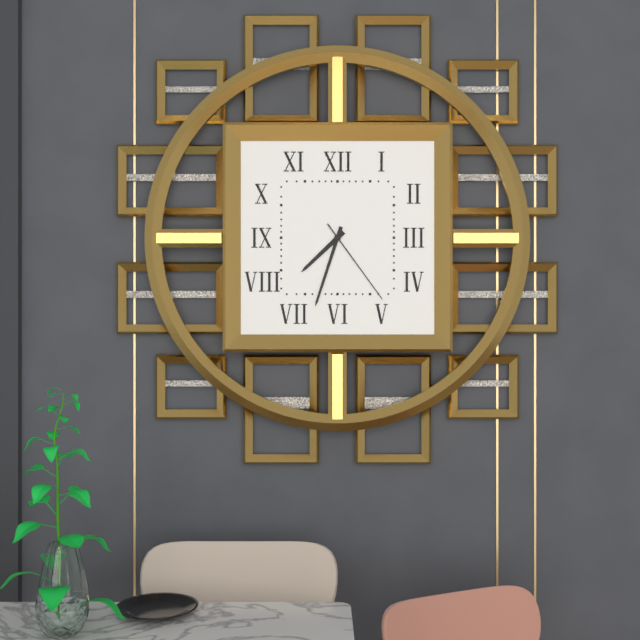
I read {"hour": 7, "minute": 33, "second": 24}
